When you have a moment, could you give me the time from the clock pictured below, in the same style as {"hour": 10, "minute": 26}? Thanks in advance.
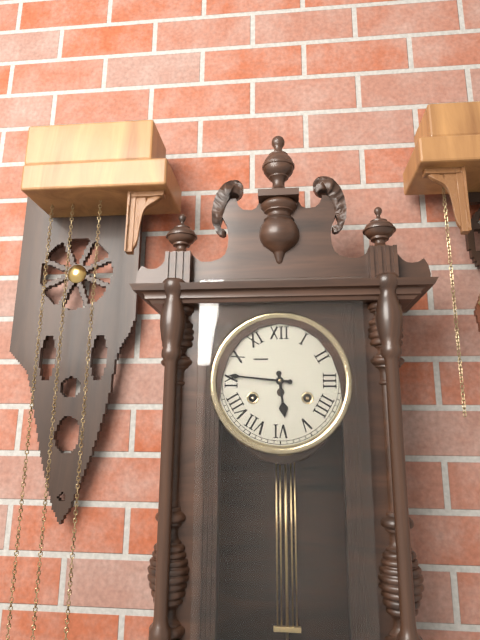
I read {"hour": 5, "minute": 46}
